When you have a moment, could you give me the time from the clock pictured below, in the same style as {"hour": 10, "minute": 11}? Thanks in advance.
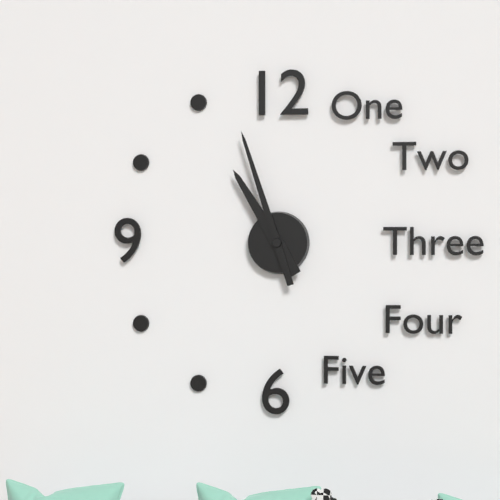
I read {"hour": 10, "minute": 57}
